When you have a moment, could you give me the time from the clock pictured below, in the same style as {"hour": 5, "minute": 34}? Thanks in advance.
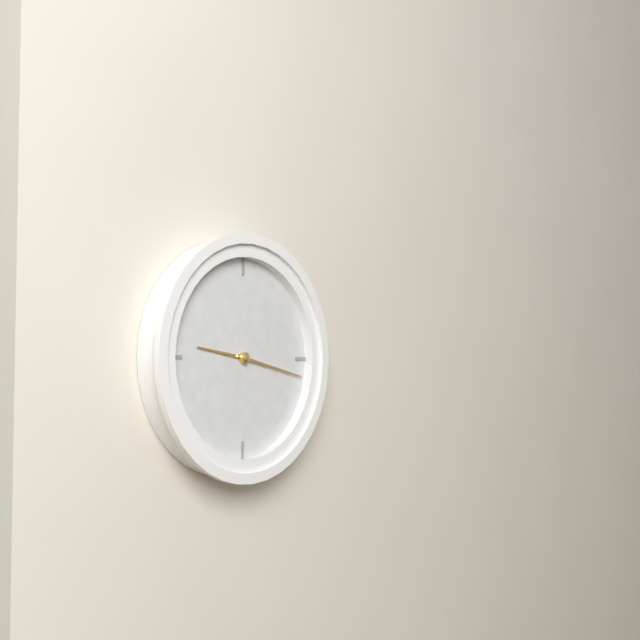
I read {"hour": 9, "minute": 17}
